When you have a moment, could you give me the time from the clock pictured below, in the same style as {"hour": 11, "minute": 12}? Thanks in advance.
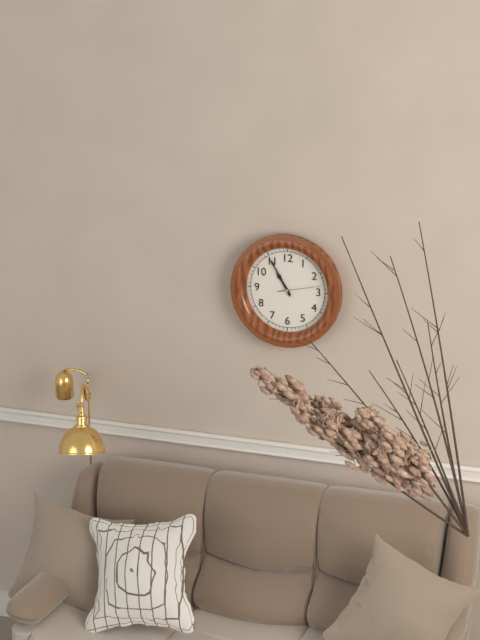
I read {"hour": 10, "minute": 55}
